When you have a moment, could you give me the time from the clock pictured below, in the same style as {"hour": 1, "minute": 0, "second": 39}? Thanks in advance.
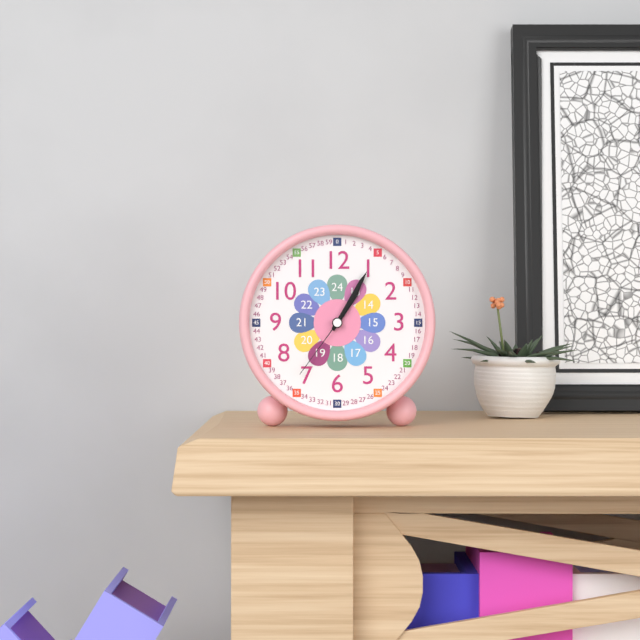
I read {"hour": 1, "minute": 5, "second": 36}
